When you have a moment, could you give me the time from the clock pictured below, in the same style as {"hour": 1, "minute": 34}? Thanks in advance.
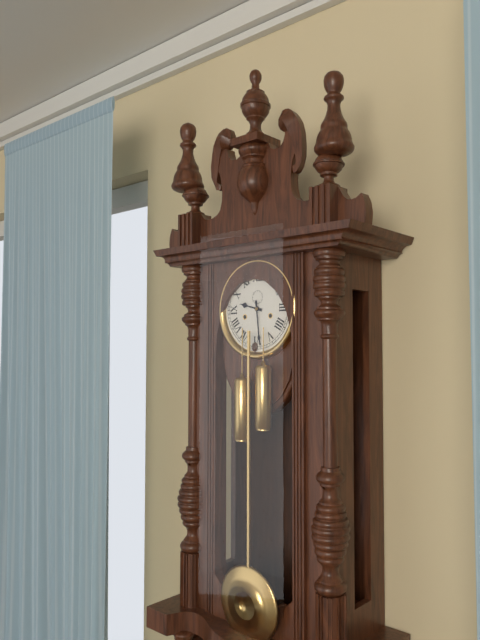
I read {"hour": 9, "minute": 29}
